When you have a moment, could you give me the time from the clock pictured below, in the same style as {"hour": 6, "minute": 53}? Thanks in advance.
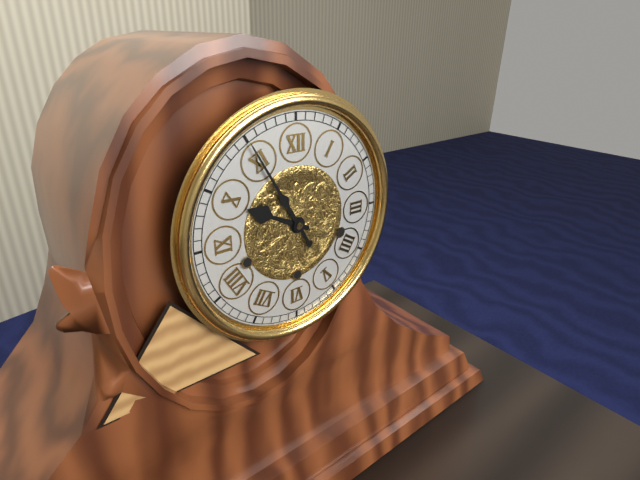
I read {"hour": 9, "minute": 55}
